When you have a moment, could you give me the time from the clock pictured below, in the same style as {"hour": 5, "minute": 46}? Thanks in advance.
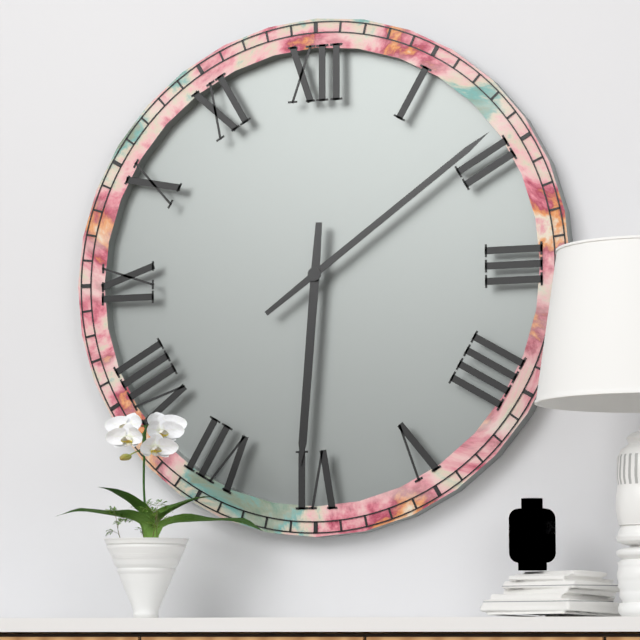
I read {"hour": 6, "minute": 9}
